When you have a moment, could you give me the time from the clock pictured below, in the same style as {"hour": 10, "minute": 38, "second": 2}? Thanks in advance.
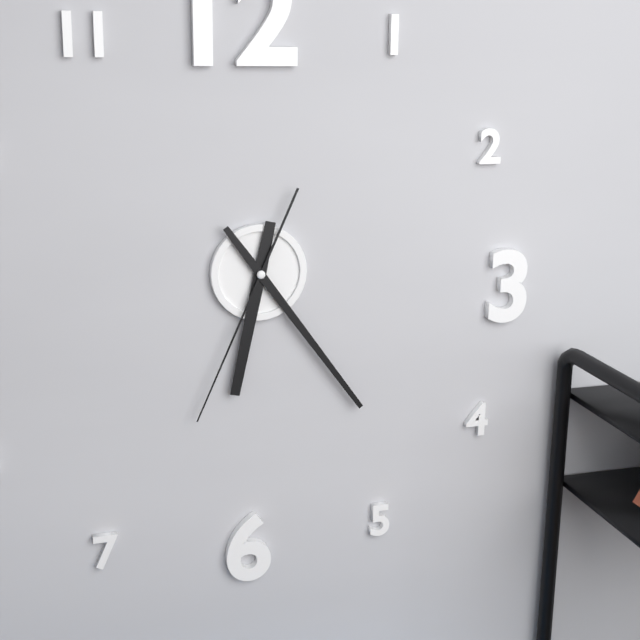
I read {"hour": 6, "minute": 24, "second": 34}
